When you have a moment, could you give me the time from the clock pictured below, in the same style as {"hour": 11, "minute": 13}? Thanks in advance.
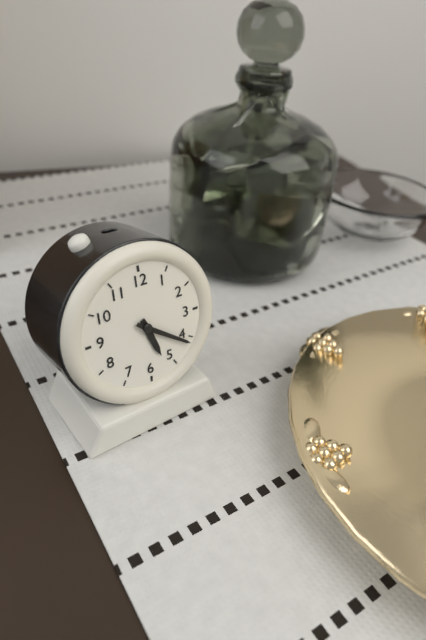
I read {"hour": 5, "minute": 21}
